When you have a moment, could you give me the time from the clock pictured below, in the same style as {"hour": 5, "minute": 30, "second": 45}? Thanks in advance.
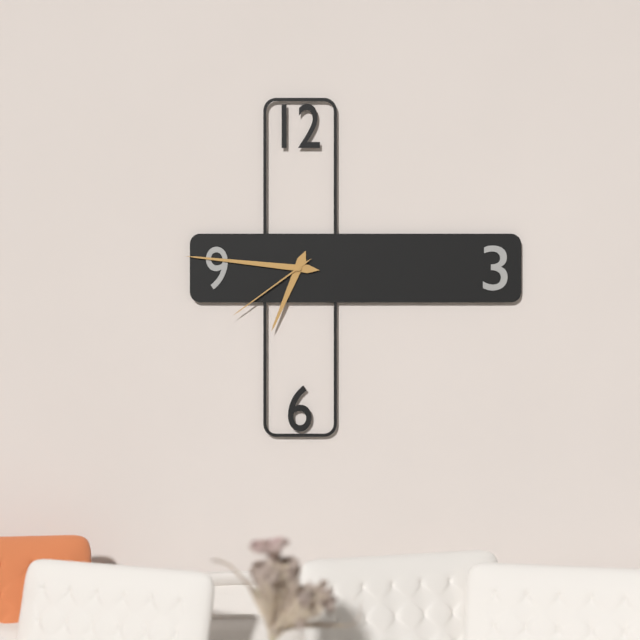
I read {"hour": 6, "minute": 46, "second": 39}
